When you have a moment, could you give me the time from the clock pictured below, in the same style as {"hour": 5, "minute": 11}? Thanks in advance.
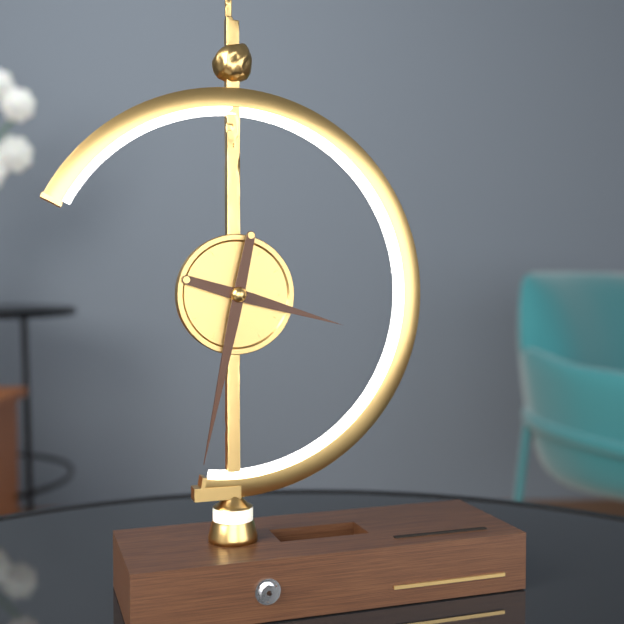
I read {"hour": 3, "minute": 32}
